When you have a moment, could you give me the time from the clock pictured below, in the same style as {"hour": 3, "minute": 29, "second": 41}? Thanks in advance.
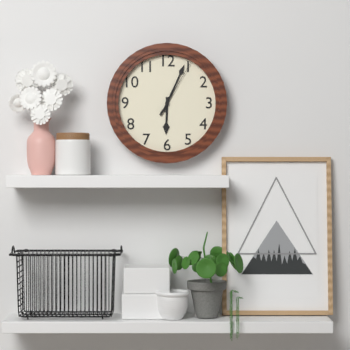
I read {"hour": 6, "minute": 4, "second": 5}
